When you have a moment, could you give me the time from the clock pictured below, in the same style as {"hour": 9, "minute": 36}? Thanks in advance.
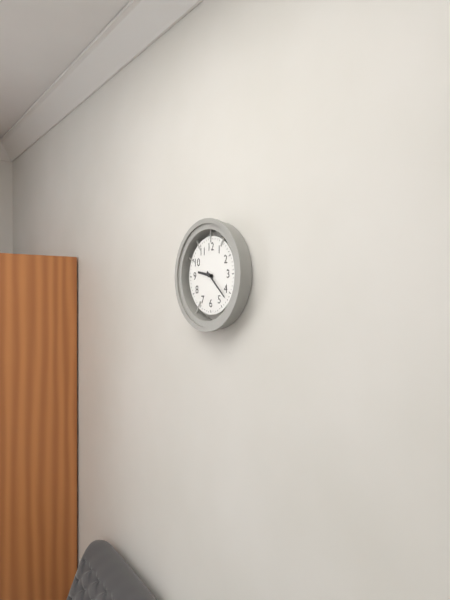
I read {"hour": 9, "minute": 22}
